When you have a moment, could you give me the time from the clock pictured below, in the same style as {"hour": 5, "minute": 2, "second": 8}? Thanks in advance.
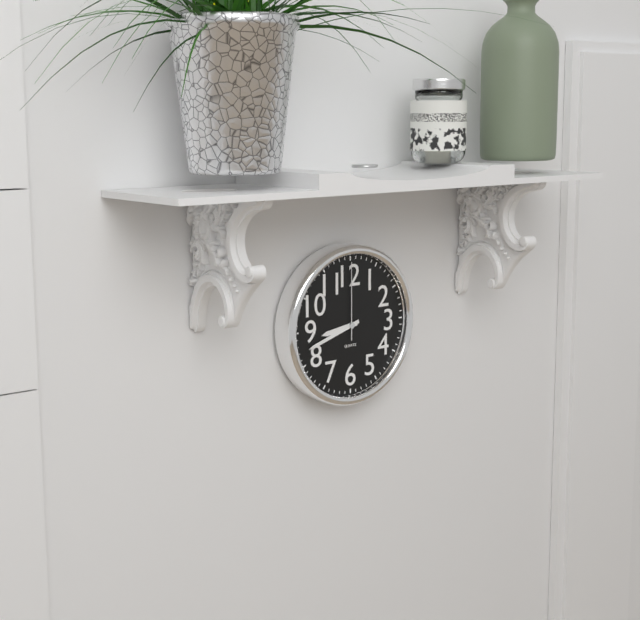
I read {"hour": 8, "minute": 42, "second": 0}
